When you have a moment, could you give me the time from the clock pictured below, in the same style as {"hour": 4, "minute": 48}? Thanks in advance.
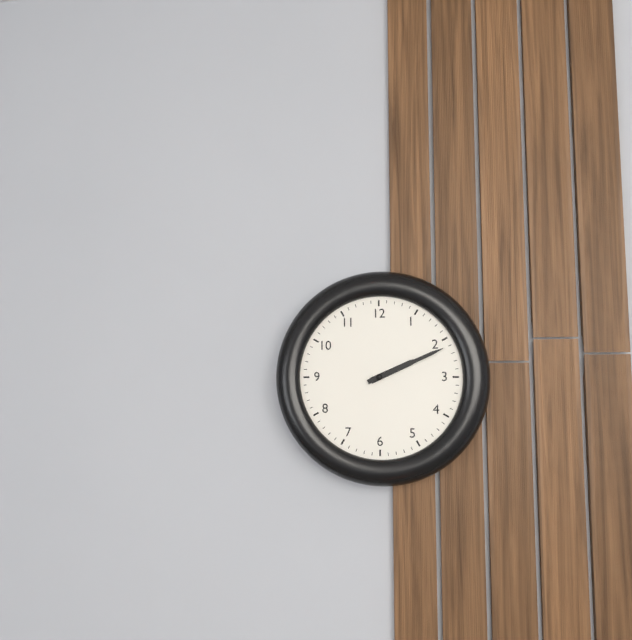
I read {"hour": 2, "minute": 11}
